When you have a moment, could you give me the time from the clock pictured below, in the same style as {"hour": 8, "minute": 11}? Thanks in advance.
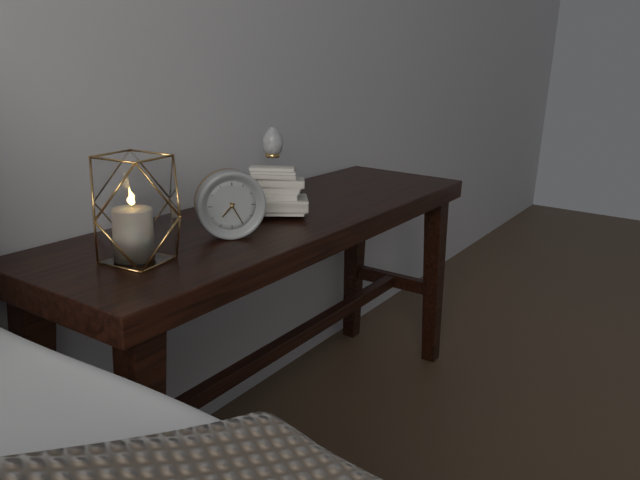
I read {"hour": 7, "minute": 25}
